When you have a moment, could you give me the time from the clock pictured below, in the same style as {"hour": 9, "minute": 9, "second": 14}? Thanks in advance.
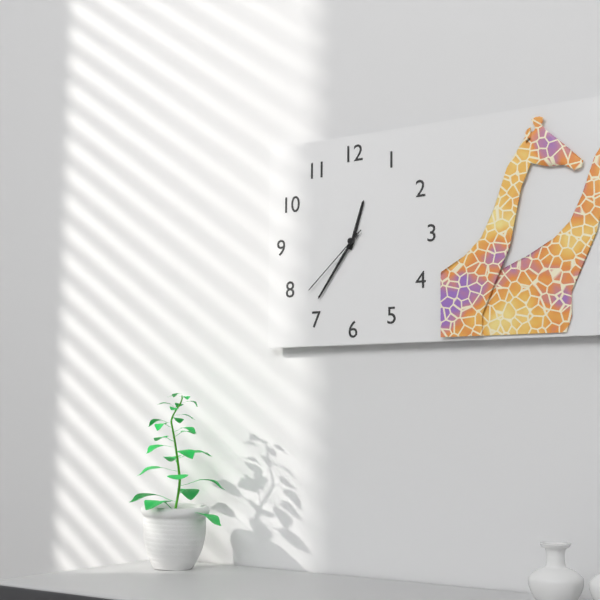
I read {"hour": 12, "minute": 36, "second": 38}
